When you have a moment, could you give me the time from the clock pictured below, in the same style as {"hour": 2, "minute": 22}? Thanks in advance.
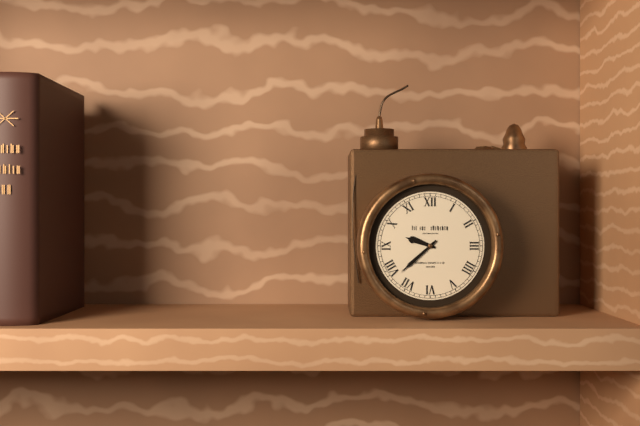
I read {"hour": 9, "minute": 38}
